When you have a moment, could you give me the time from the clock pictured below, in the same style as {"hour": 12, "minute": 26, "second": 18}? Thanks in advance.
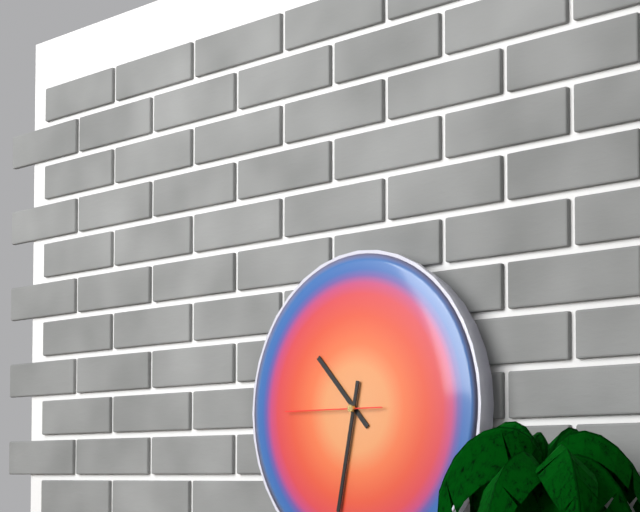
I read {"hour": 10, "minute": 32, "second": 45}
